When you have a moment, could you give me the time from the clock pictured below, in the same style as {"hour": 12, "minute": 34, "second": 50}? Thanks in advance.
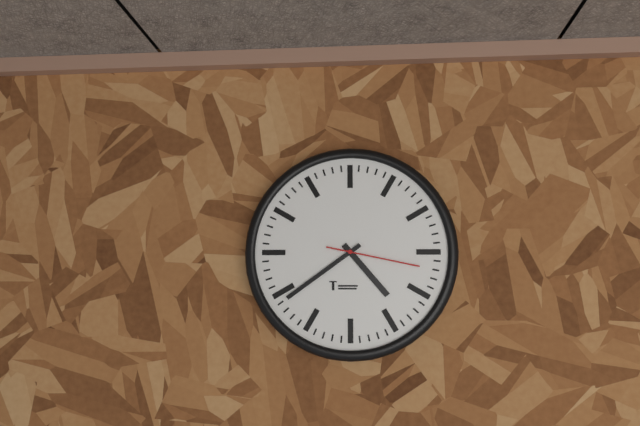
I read {"hour": 4, "minute": 39, "second": 17}
